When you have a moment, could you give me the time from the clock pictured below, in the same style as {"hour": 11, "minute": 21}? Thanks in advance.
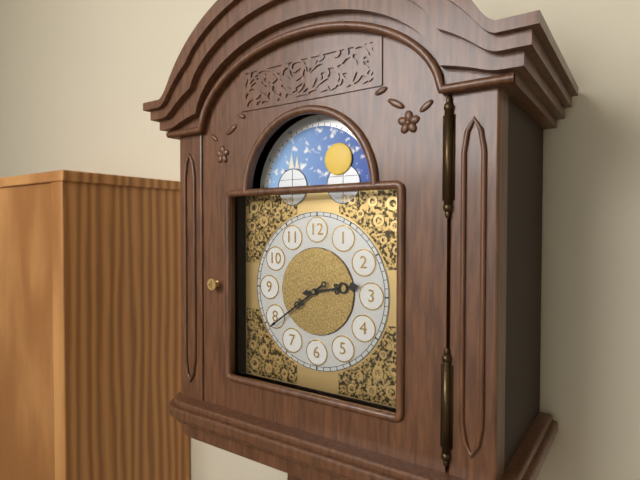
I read {"hour": 2, "minute": 39}
